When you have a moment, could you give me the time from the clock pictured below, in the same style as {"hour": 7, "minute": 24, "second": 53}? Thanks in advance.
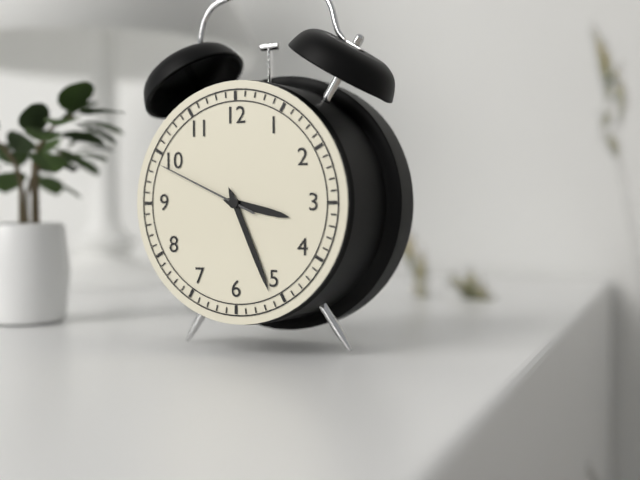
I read {"hour": 3, "minute": 26, "second": 49}
